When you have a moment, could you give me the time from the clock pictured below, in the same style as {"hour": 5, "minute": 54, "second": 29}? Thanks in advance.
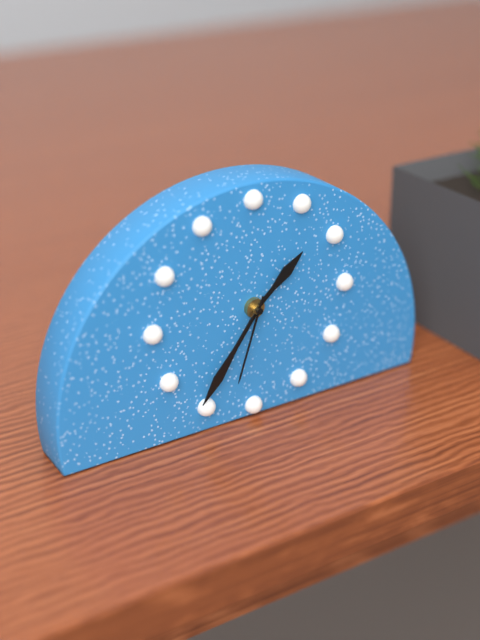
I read {"hour": 1, "minute": 36, "second": 33}
